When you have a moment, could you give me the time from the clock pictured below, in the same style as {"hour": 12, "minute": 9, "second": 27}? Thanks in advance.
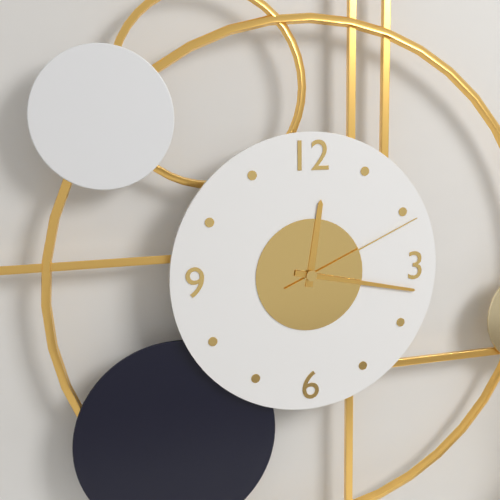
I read {"hour": 12, "minute": 17, "second": 11}
